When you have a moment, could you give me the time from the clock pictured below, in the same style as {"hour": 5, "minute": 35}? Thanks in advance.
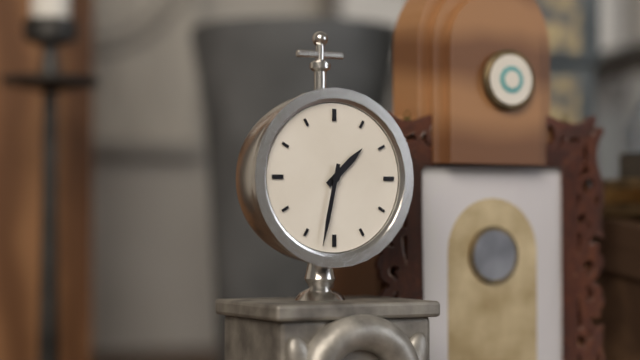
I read {"hour": 1, "minute": 32}
